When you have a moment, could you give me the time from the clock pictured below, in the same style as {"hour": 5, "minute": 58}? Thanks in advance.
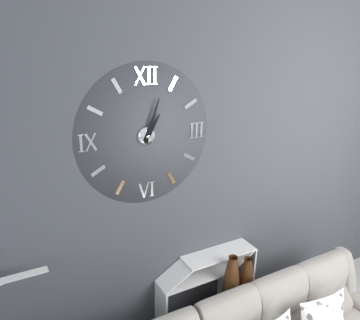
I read {"hour": 1, "minute": 3}
